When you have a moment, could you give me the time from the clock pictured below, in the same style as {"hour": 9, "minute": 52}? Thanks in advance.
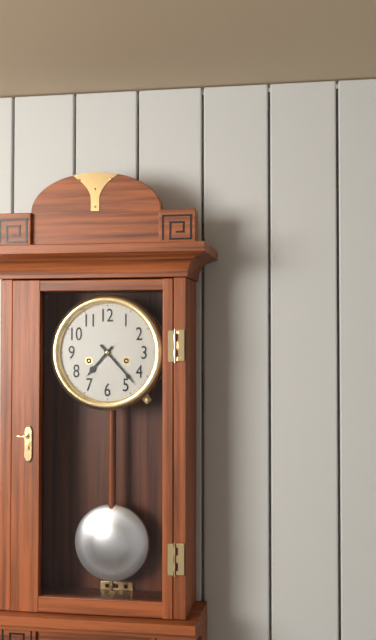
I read {"hour": 7, "minute": 23}
